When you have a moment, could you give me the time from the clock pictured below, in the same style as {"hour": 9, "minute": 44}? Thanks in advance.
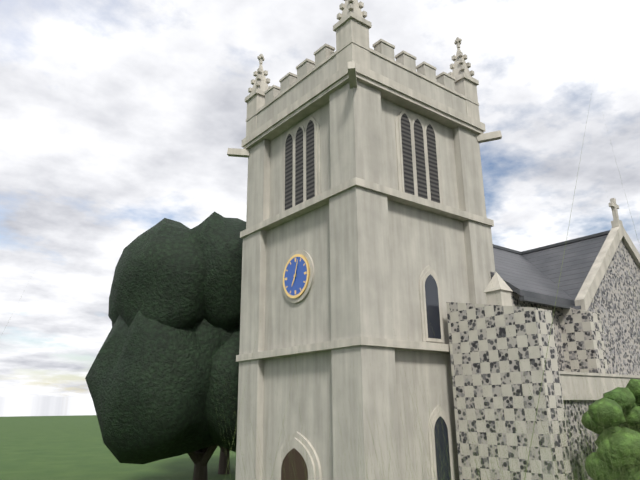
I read {"hour": 7, "minute": 3}
